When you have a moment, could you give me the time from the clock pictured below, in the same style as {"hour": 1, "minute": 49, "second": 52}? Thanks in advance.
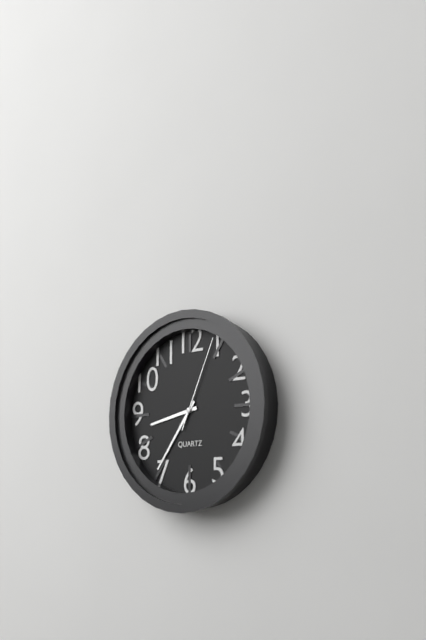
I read {"hour": 8, "minute": 36, "second": 4}
